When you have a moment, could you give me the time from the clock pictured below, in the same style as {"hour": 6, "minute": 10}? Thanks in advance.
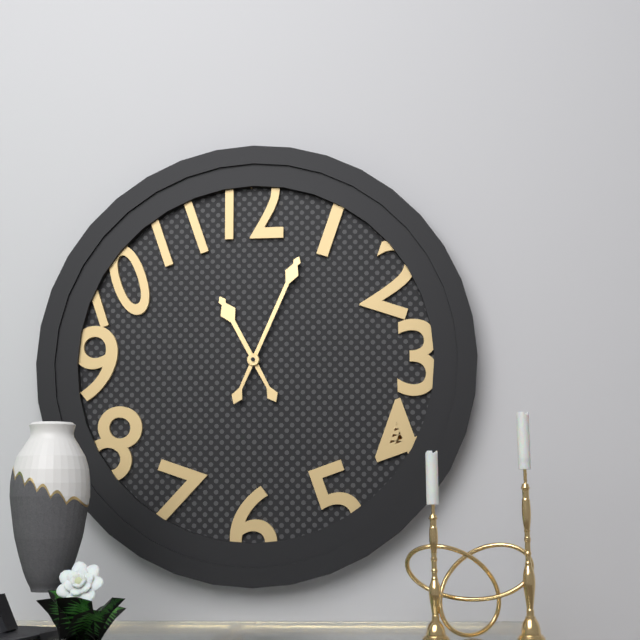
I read {"hour": 11, "minute": 4}
